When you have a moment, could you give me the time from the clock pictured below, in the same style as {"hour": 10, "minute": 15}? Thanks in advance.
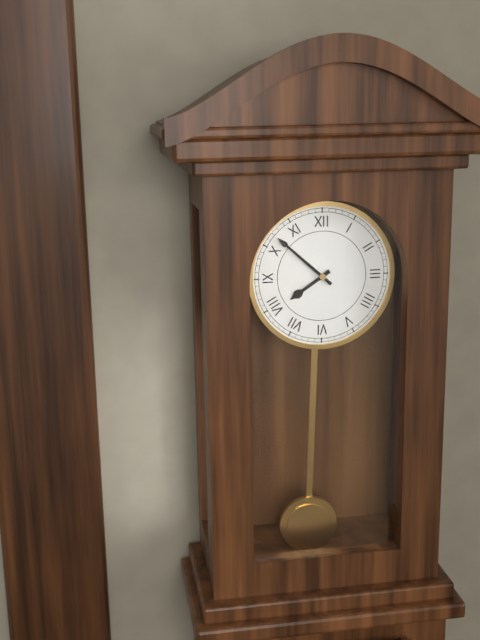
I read {"hour": 7, "minute": 52}
